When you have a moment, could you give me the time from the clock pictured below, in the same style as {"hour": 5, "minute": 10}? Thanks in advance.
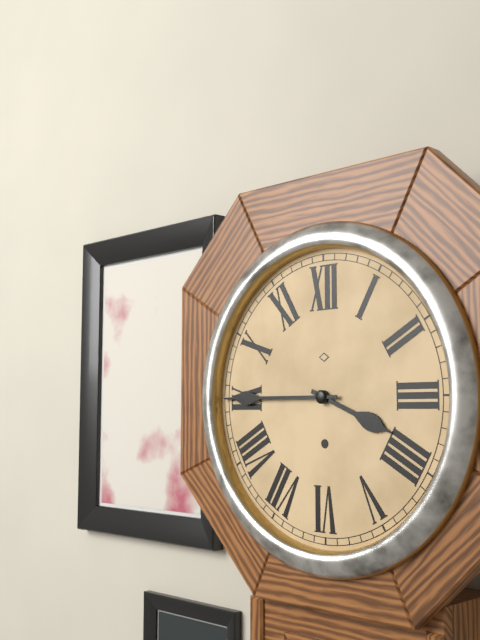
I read {"hour": 3, "minute": 45}
